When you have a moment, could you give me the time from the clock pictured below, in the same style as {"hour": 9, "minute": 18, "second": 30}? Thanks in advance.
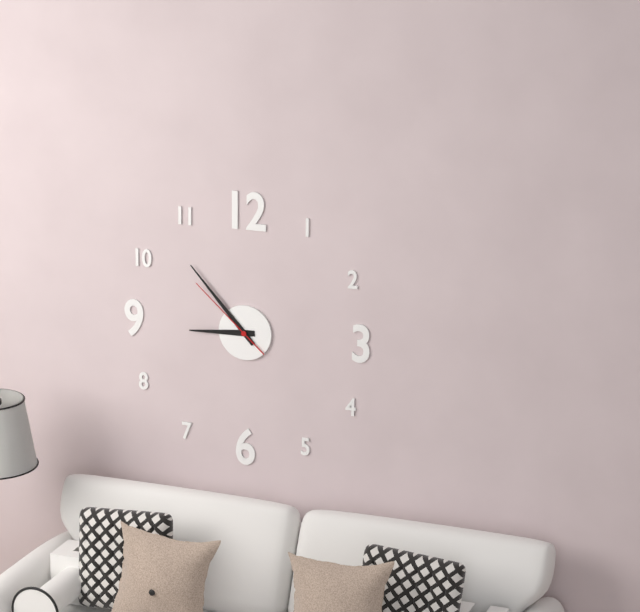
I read {"hour": 8, "minute": 53, "second": 52}
